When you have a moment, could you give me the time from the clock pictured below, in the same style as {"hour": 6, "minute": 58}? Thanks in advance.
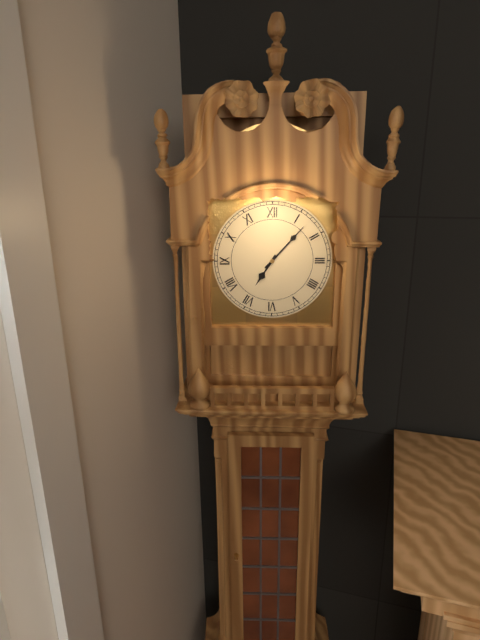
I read {"hour": 7, "minute": 7}
